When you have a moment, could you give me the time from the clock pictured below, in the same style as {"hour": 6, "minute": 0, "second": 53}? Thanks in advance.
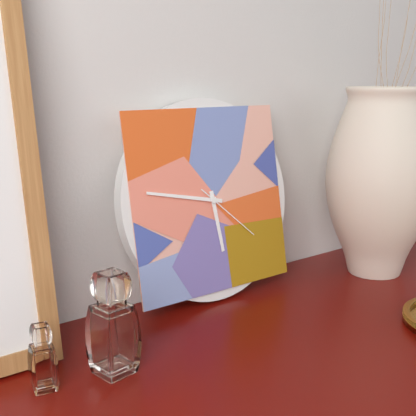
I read {"hour": 5, "minute": 47, "second": 22}
